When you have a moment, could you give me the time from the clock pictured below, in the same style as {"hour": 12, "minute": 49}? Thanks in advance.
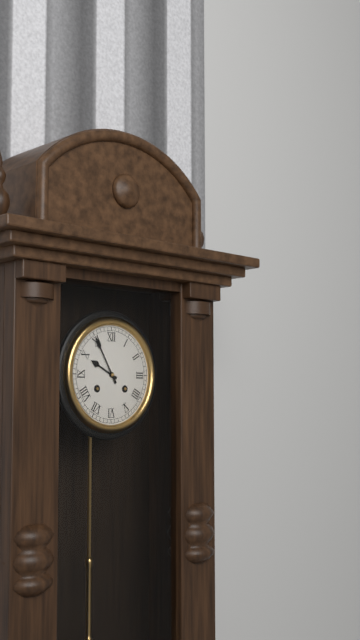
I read {"hour": 9, "minute": 55}
